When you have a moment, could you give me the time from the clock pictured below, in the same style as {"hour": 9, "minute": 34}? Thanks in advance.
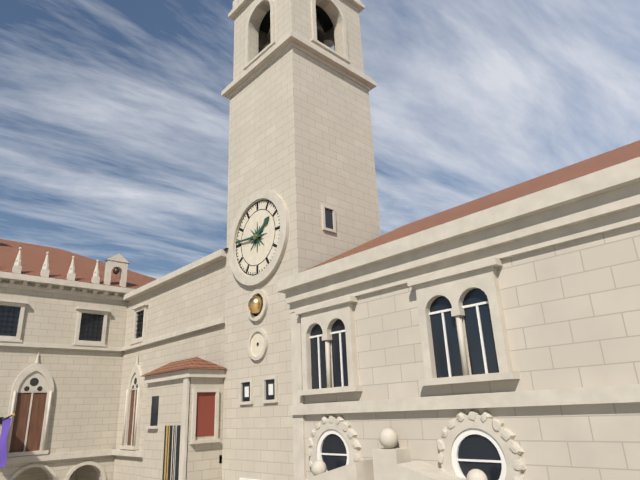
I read {"hour": 1, "minute": 46}
